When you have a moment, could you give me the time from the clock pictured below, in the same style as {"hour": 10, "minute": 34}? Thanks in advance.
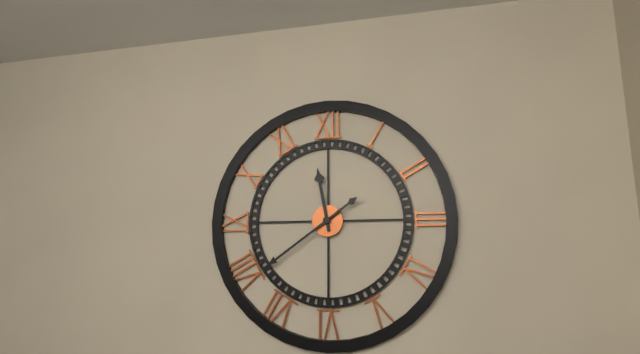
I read {"hour": 11, "minute": 39}
